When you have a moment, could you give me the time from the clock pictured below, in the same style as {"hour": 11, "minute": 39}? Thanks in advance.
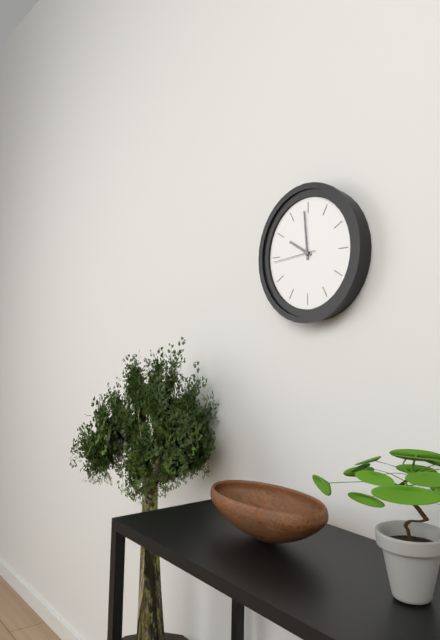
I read {"hour": 9, "minute": 59}
